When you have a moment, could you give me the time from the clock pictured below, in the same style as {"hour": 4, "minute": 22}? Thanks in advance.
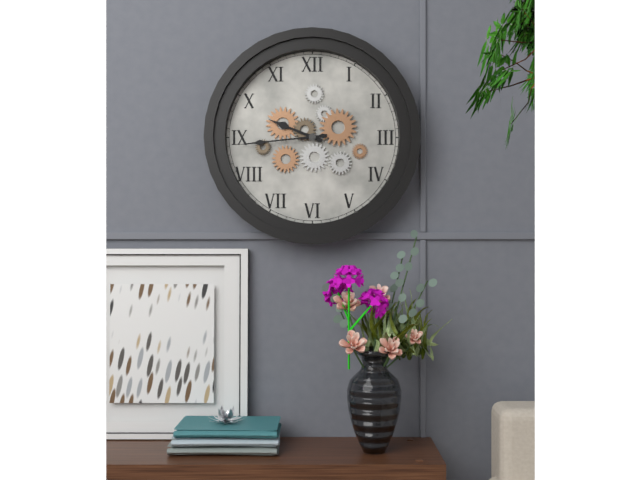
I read {"hour": 9, "minute": 44}
